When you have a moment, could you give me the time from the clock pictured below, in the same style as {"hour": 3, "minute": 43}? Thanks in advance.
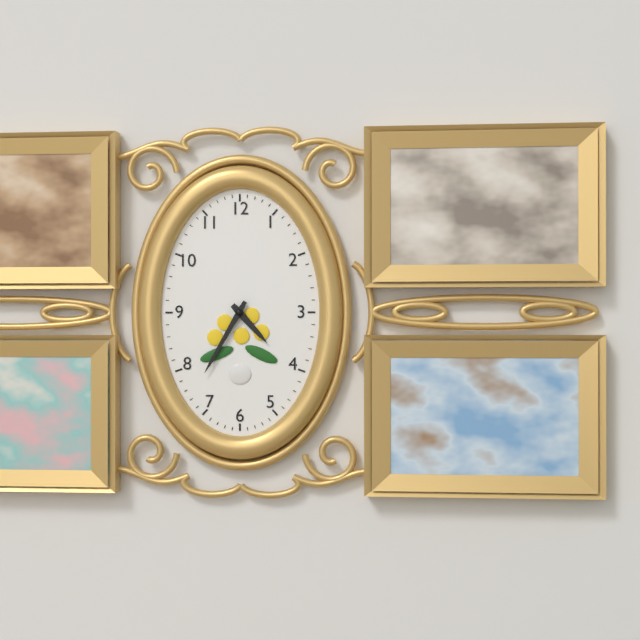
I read {"hour": 4, "minute": 35}
